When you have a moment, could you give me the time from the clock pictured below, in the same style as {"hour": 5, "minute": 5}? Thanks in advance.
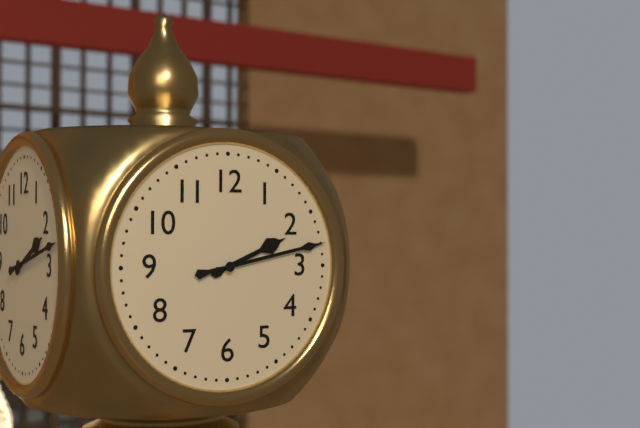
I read {"hour": 2, "minute": 13}
